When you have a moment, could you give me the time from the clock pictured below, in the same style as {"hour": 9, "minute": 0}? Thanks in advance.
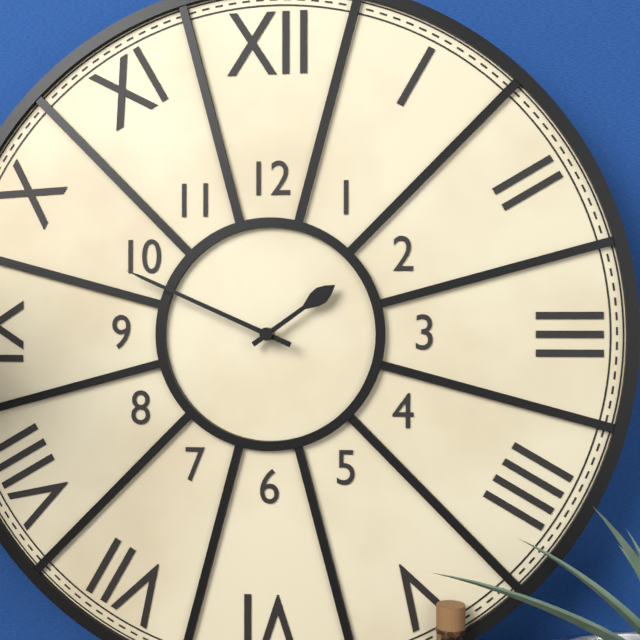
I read {"hour": 1, "minute": 49}
